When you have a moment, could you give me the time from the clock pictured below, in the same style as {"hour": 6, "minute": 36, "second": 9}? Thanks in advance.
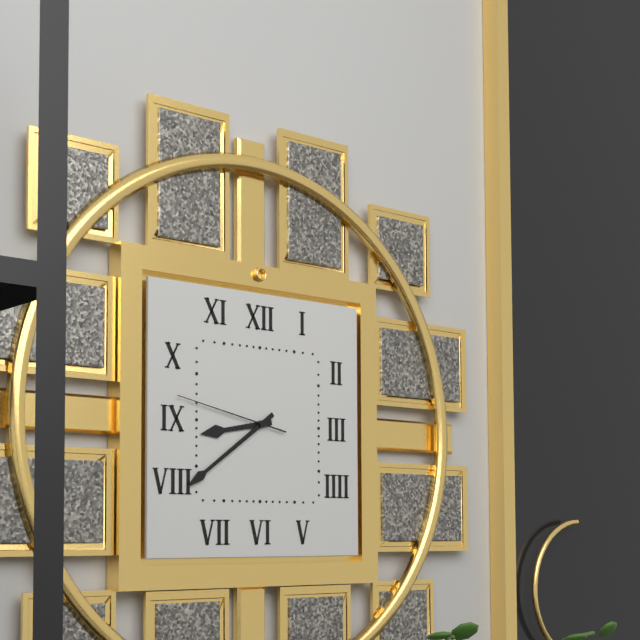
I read {"hour": 8, "minute": 39, "second": 47}
